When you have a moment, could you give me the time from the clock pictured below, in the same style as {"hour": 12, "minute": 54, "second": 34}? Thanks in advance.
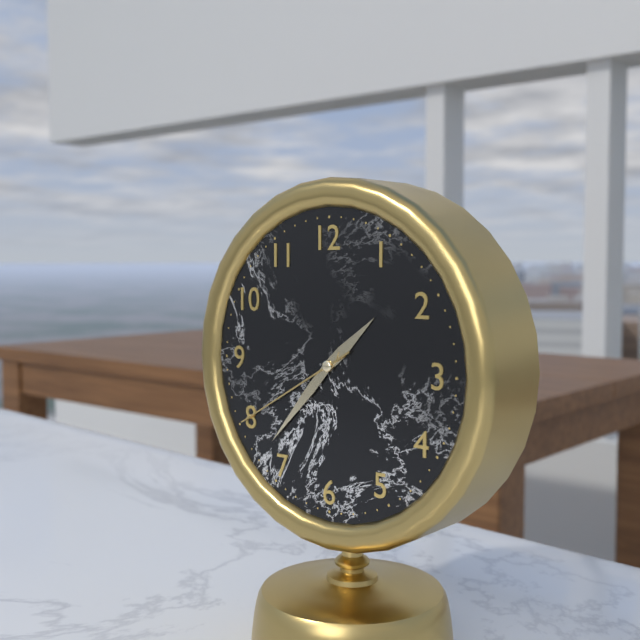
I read {"hour": 1, "minute": 37, "second": 40}
